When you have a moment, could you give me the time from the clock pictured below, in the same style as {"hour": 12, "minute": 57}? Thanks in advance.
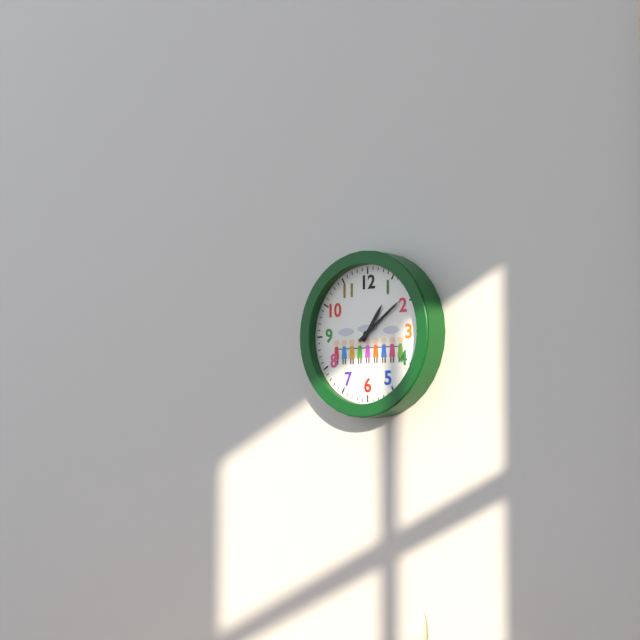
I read {"hour": 1, "minute": 9}
